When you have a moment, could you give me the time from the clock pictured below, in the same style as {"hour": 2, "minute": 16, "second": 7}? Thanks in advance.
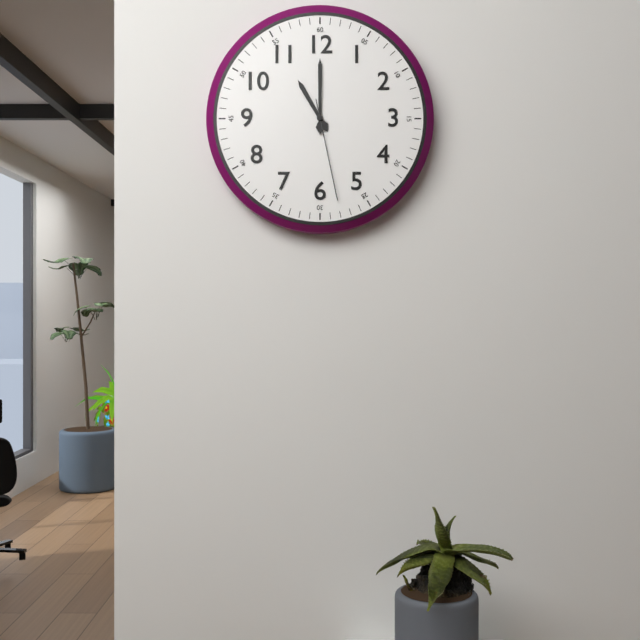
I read {"hour": 11, "minute": 0, "second": 28}
